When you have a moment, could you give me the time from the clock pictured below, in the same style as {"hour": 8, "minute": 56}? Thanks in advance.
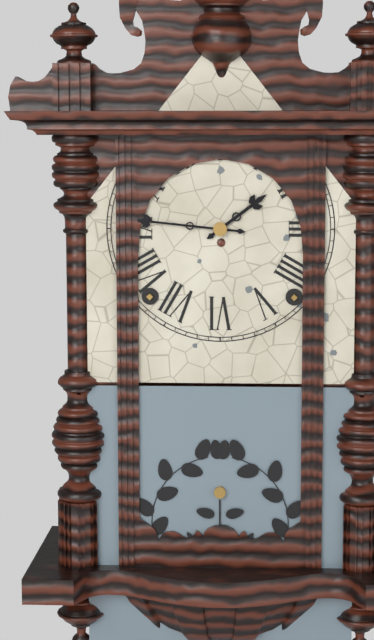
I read {"hour": 1, "minute": 46}
